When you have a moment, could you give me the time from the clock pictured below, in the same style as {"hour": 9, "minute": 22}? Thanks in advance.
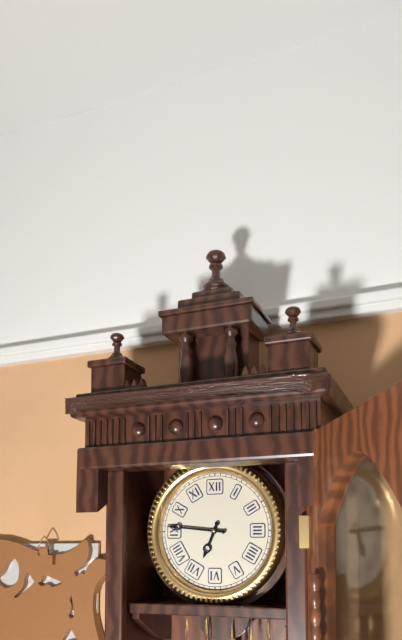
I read {"hour": 6, "minute": 46}
